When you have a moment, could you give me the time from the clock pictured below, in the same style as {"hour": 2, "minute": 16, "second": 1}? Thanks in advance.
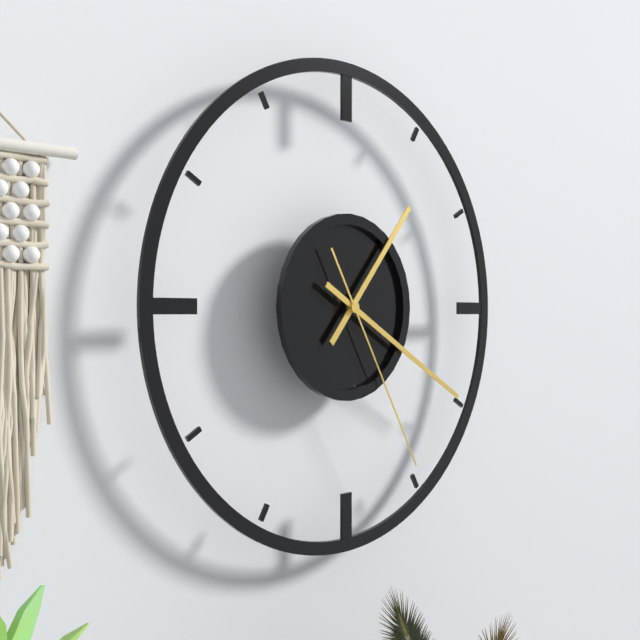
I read {"hour": 1, "minute": 20, "second": 25}
